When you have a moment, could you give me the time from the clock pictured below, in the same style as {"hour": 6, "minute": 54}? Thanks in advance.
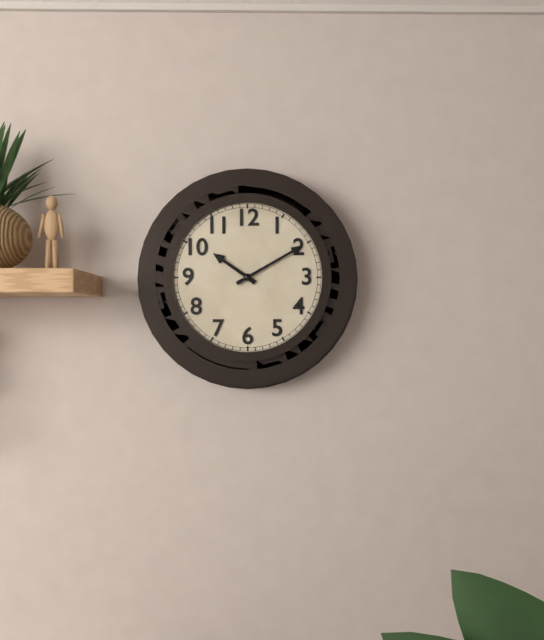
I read {"hour": 10, "minute": 10}
